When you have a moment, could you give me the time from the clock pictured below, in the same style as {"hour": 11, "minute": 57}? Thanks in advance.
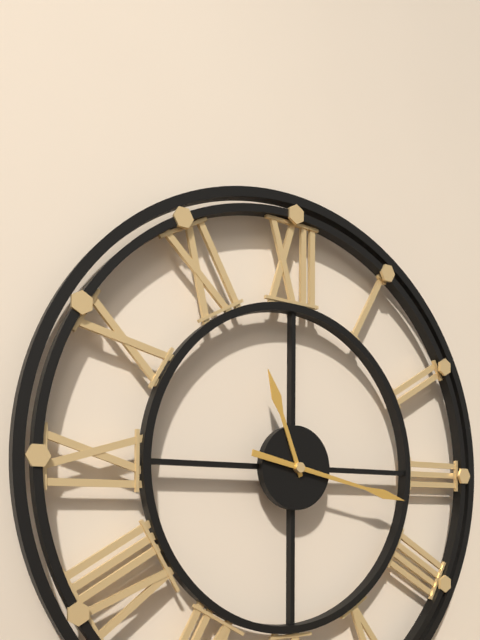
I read {"hour": 11, "minute": 17}
